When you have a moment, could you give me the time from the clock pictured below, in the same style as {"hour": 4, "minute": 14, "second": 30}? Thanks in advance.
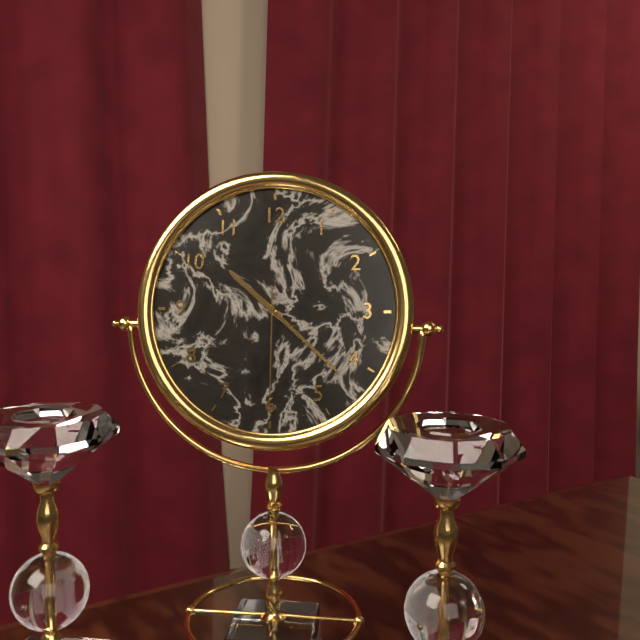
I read {"hour": 10, "minute": 22, "second": 30}
